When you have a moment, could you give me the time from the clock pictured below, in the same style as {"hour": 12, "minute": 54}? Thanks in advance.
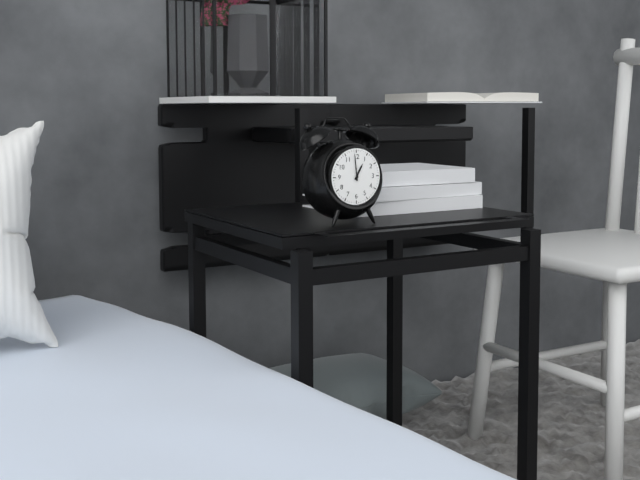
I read {"hour": 12, "minute": 59}
